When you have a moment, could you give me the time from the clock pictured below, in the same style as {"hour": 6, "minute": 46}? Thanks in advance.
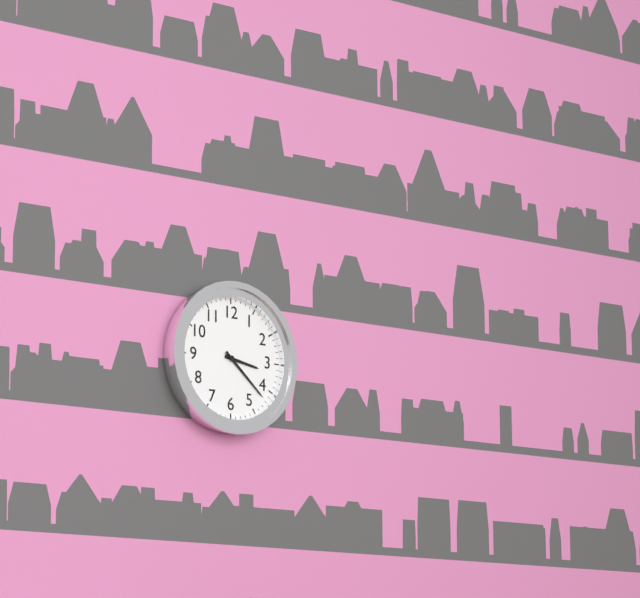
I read {"hour": 3, "minute": 22}
